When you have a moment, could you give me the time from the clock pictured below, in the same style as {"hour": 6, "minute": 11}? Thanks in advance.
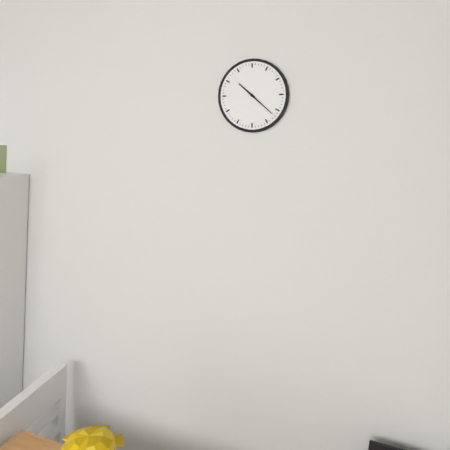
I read {"hour": 10, "minute": 22}
